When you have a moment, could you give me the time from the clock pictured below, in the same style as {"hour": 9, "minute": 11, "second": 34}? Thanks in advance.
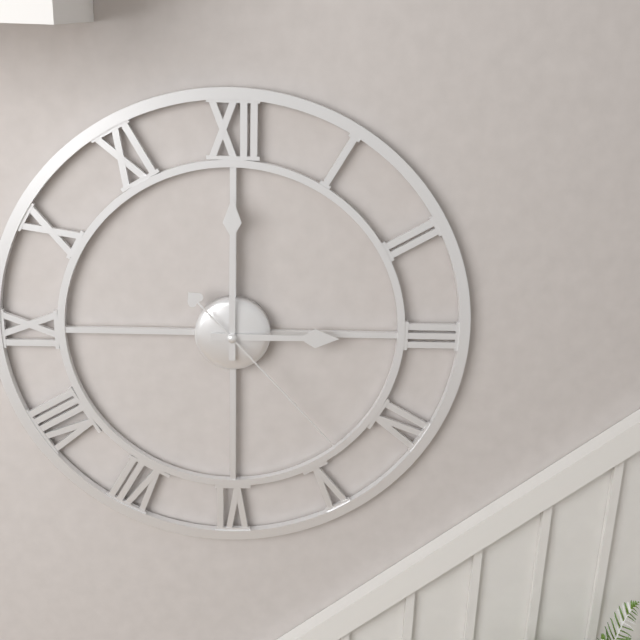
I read {"hour": 3, "minute": 0, "second": 23}
